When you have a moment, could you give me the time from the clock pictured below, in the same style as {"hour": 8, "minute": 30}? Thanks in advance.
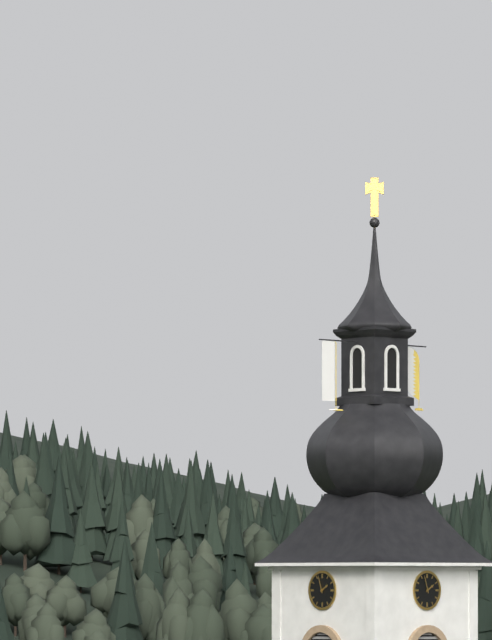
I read {"hour": 1, "minute": 57}
